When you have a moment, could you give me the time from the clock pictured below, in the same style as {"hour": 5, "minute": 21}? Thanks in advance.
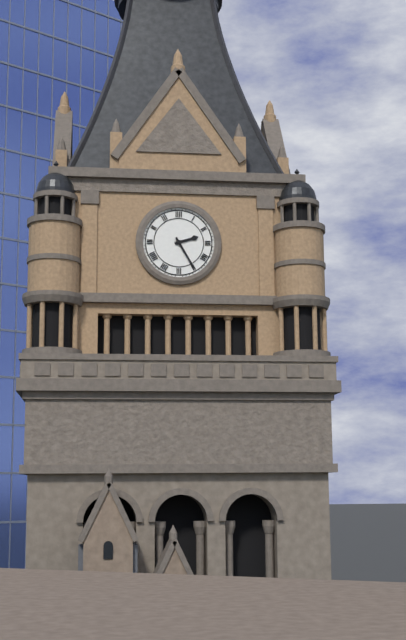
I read {"hour": 2, "minute": 25}
